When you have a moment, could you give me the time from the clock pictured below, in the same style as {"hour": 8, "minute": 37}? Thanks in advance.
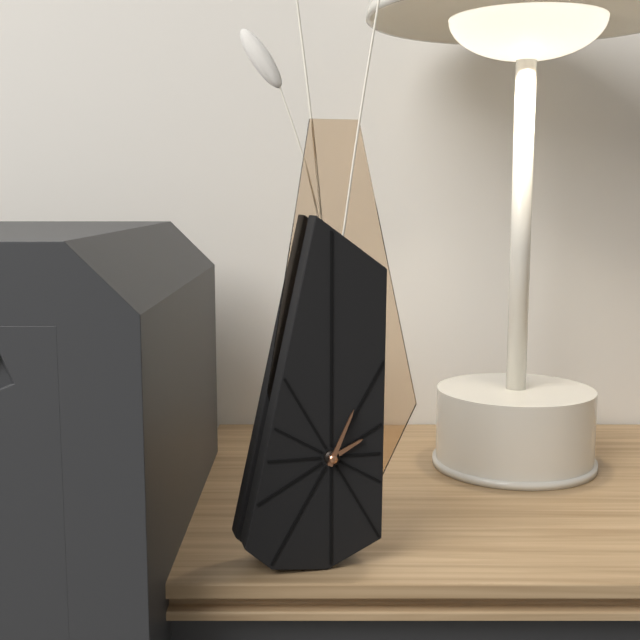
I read {"hour": 2, "minute": 4}
